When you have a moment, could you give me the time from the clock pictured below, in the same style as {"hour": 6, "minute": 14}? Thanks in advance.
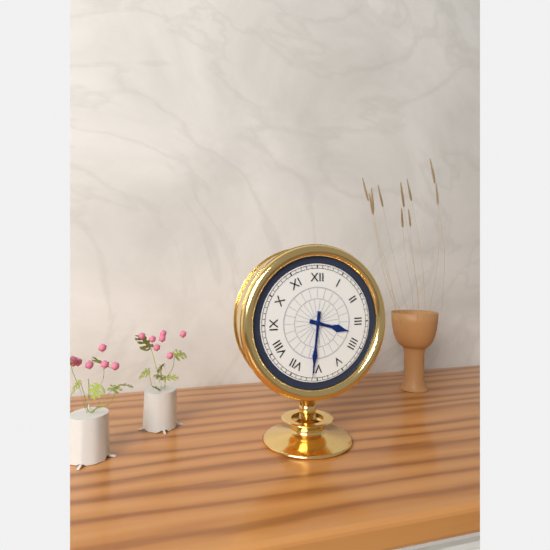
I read {"hour": 3, "minute": 31}
